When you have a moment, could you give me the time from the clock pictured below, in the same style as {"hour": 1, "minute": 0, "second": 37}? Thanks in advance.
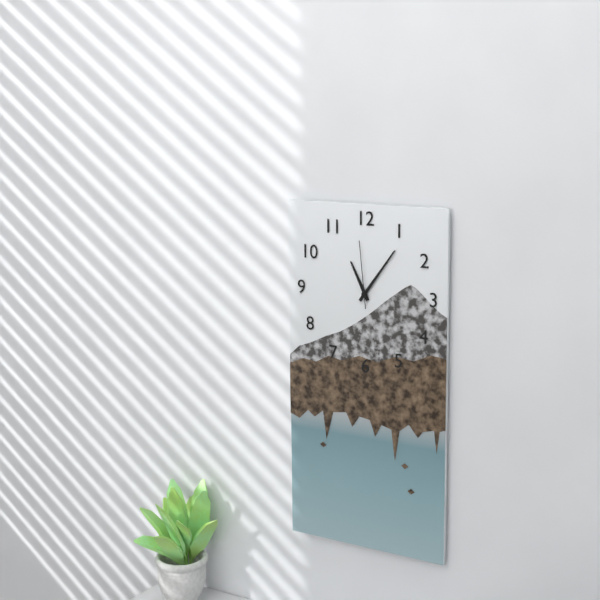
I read {"hour": 11, "minute": 6, "second": 59}
